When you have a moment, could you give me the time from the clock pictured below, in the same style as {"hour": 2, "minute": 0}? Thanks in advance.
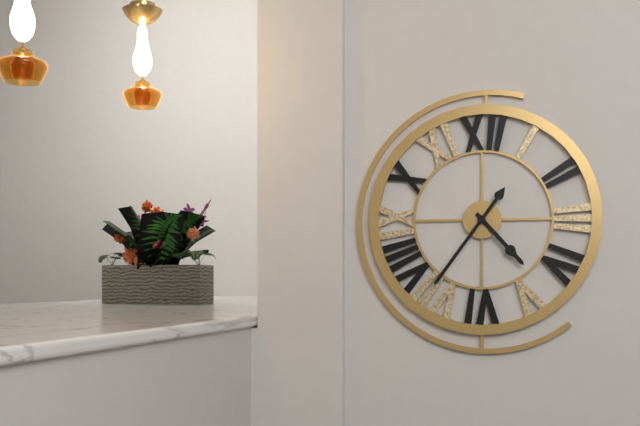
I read {"hour": 4, "minute": 36}
